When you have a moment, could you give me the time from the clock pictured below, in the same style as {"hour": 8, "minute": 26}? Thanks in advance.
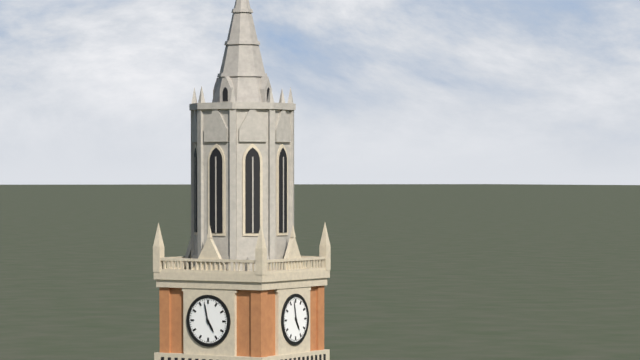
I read {"hour": 4, "minute": 58}
